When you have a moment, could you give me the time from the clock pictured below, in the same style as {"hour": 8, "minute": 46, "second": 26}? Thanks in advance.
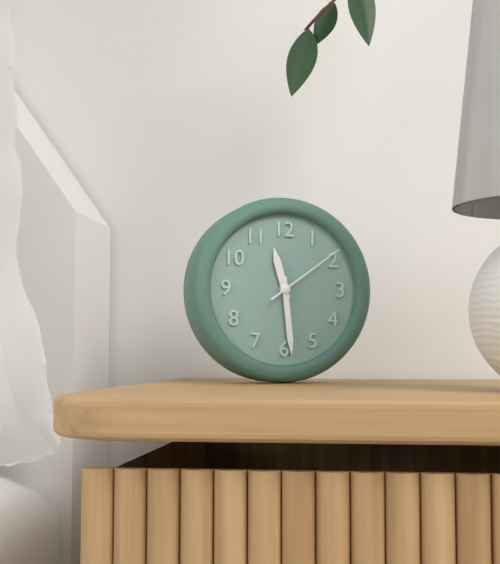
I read {"hour": 11, "minute": 29, "second": 9}
